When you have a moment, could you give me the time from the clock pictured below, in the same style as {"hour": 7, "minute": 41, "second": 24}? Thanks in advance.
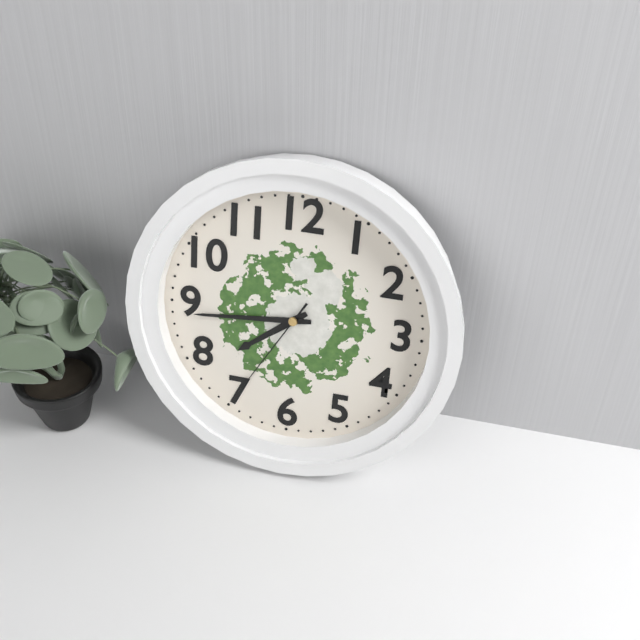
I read {"hour": 7, "minute": 44, "second": 35}
